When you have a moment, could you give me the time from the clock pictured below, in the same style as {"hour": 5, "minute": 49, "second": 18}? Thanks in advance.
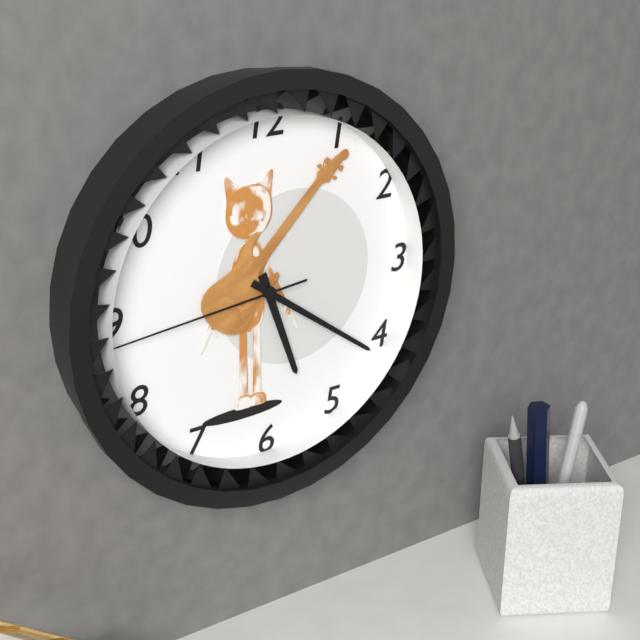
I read {"hour": 5, "minute": 21, "second": 44}
